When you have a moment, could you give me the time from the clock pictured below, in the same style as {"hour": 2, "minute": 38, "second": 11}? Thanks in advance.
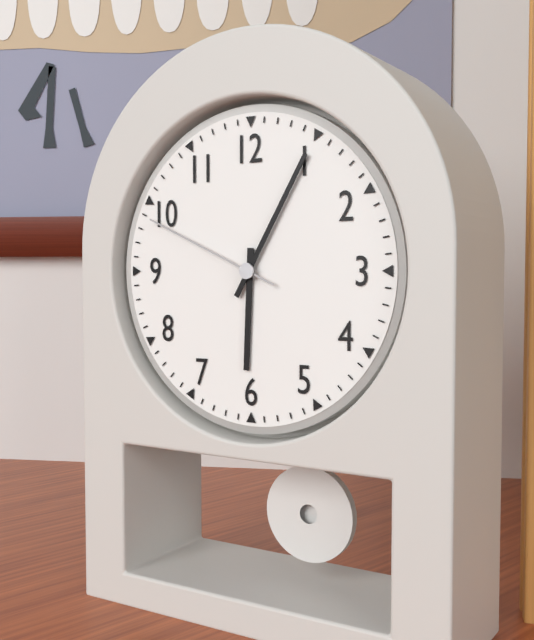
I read {"hour": 6, "minute": 5, "second": 49}
